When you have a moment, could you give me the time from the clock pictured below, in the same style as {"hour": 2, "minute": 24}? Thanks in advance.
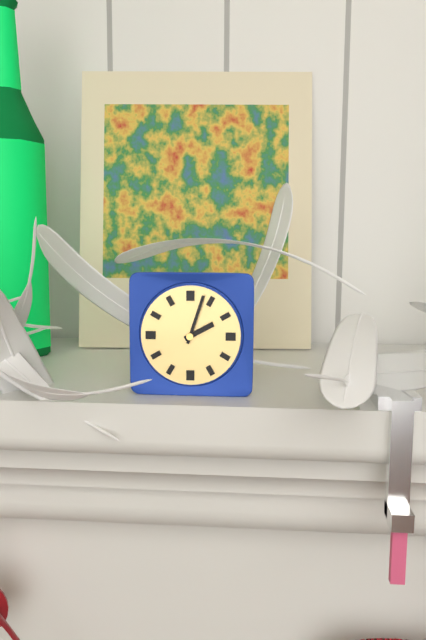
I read {"hour": 2, "minute": 3}
